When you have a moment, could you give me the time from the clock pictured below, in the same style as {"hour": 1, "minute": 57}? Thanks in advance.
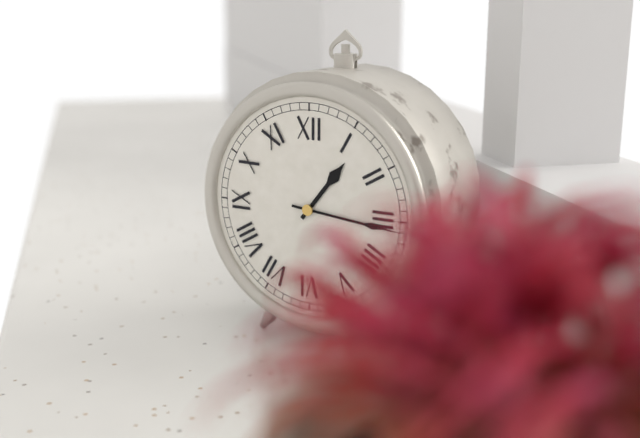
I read {"hour": 1, "minute": 16}
